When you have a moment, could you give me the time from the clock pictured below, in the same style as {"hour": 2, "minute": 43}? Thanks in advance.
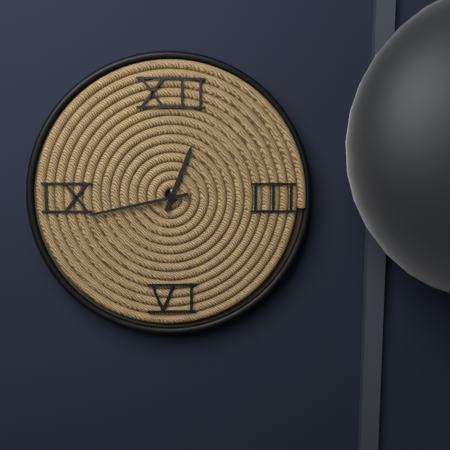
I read {"hour": 12, "minute": 43}
